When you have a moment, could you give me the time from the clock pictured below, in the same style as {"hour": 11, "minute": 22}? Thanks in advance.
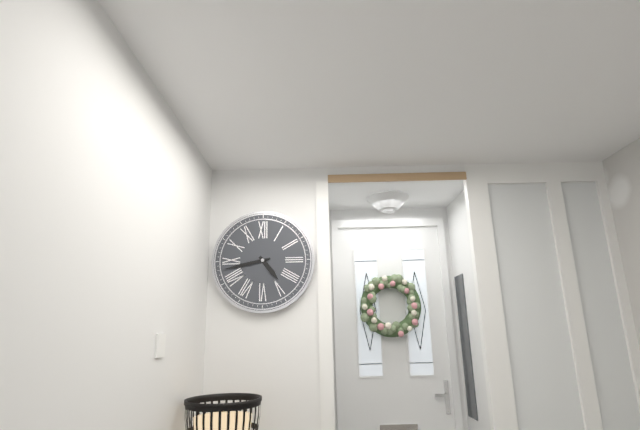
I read {"hour": 4, "minute": 43}
